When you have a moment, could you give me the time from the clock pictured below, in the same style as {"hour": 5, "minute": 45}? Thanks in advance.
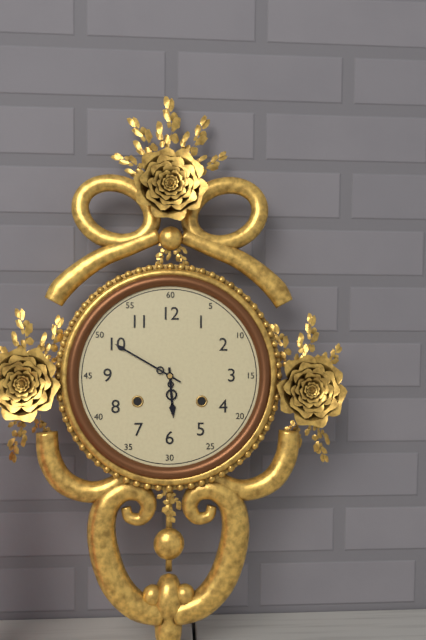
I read {"hour": 5, "minute": 50}
